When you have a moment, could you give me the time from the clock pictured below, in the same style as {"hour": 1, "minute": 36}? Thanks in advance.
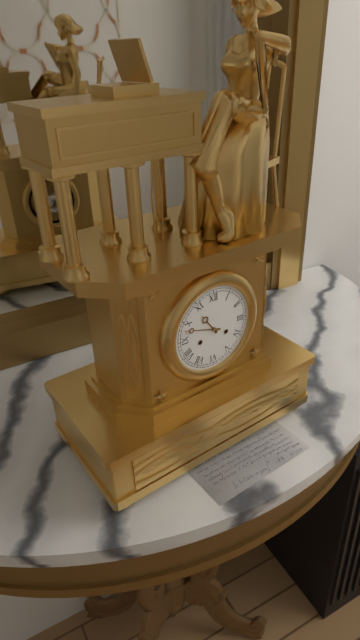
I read {"hour": 10, "minute": 48}
